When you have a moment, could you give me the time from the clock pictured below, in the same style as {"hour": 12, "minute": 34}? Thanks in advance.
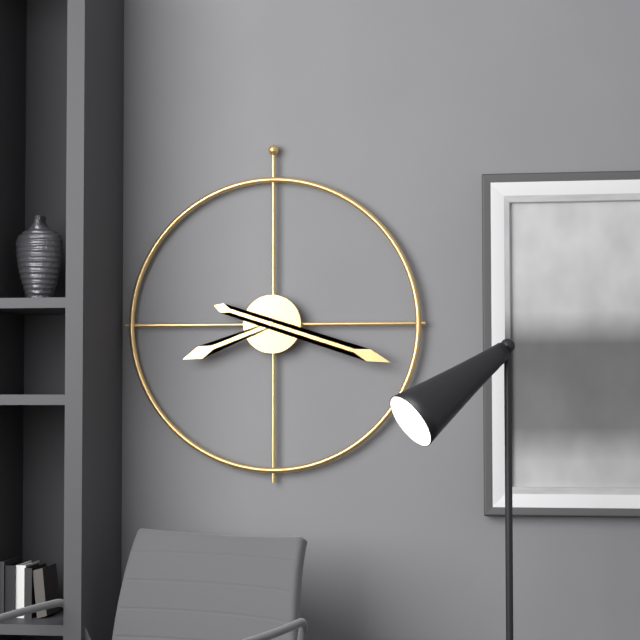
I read {"hour": 8, "minute": 18}
